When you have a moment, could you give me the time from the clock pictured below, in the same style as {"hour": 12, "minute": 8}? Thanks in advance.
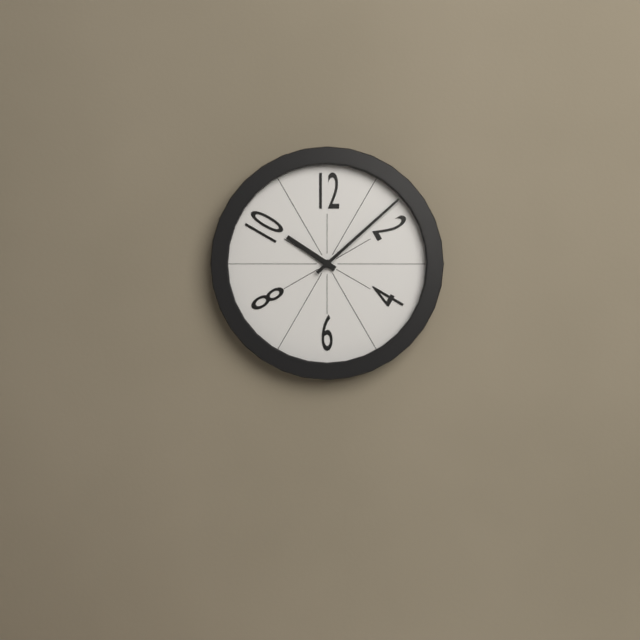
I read {"hour": 10, "minute": 8}
